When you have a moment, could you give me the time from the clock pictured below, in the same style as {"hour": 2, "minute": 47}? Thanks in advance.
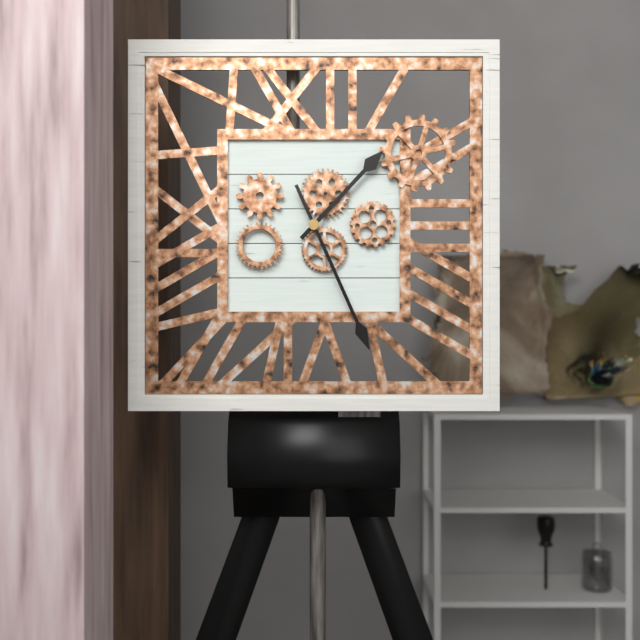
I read {"hour": 1, "minute": 26}
